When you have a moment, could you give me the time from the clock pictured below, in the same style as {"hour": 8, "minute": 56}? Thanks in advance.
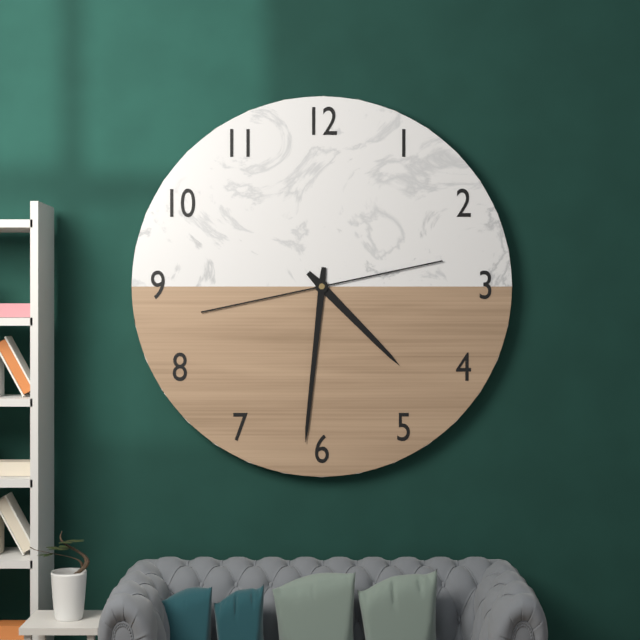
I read {"hour": 4, "minute": 31}
